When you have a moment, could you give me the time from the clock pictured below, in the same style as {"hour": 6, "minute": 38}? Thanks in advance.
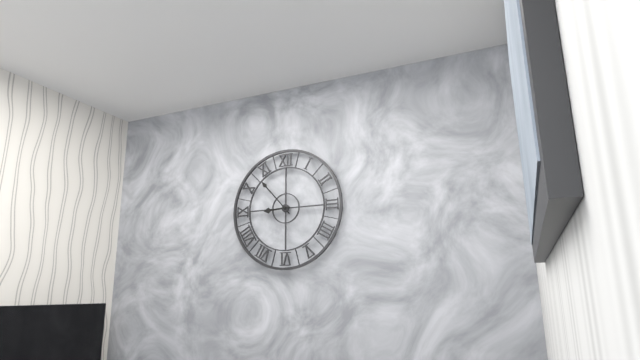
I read {"hour": 8, "minute": 53}
